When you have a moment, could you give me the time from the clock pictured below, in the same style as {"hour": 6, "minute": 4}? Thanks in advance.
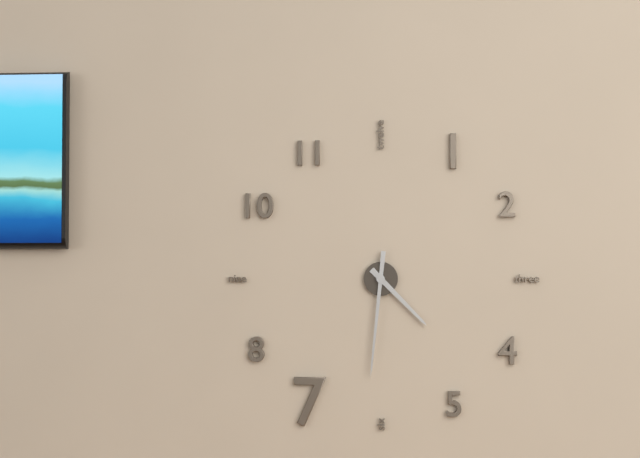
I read {"hour": 4, "minute": 31}
